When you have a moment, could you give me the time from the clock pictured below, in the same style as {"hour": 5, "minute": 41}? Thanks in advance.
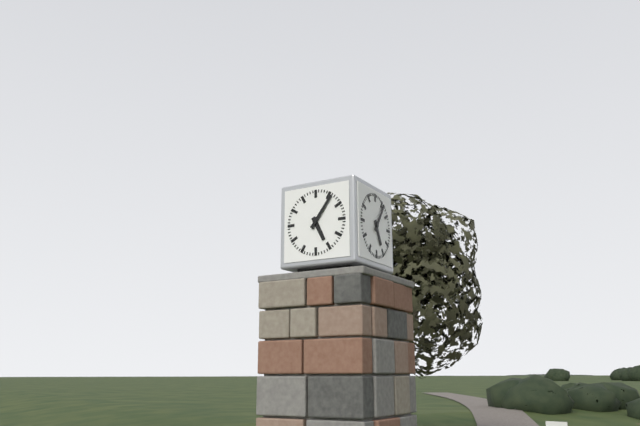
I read {"hour": 5, "minute": 6}
